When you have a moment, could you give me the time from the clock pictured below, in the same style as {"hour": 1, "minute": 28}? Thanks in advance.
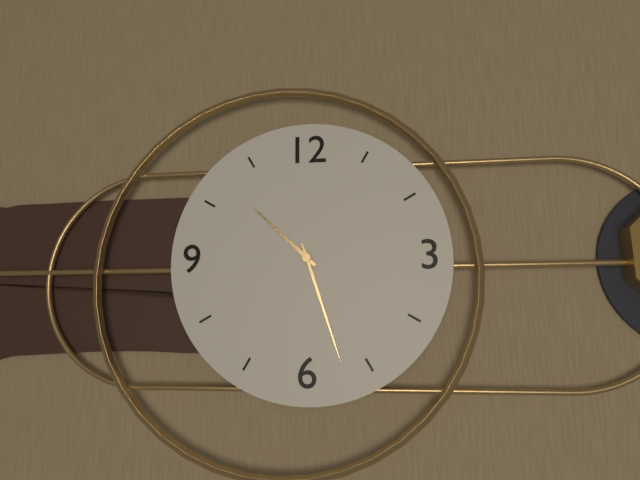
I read {"hour": 10, "minute": 27}
